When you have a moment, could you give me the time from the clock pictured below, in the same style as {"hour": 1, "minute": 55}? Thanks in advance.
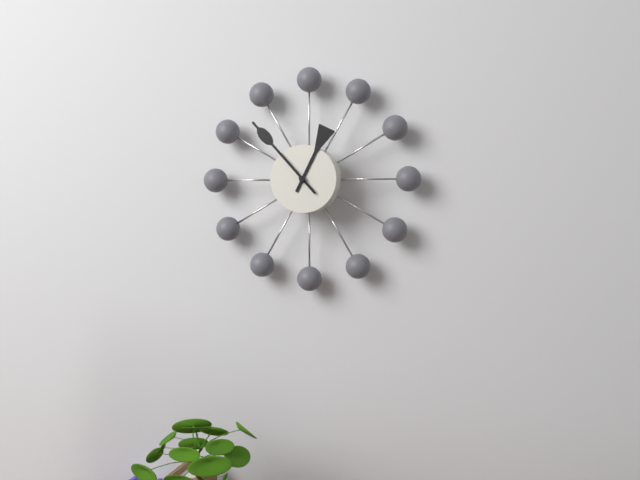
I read {"hour": 12, "minute": 53}
